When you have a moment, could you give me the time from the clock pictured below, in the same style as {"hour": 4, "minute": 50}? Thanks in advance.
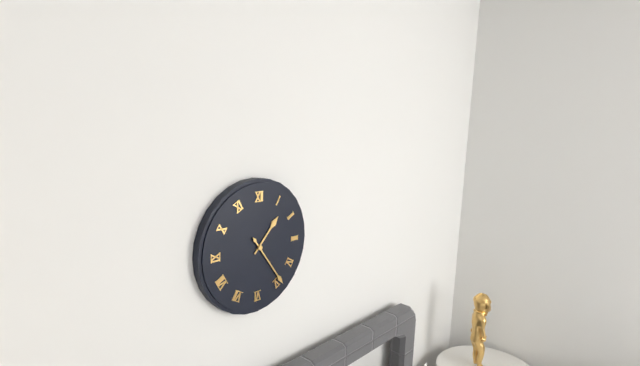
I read {"hour": 1, "minute": 24}
